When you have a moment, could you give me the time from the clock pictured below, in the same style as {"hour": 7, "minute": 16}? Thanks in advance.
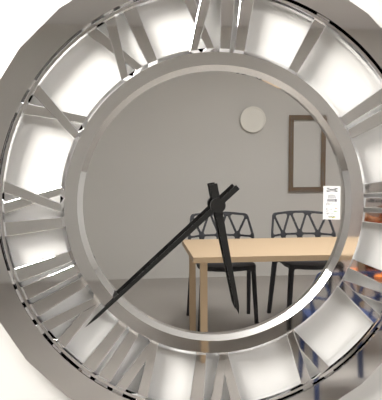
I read {"hour": 5, "minute": 38}
